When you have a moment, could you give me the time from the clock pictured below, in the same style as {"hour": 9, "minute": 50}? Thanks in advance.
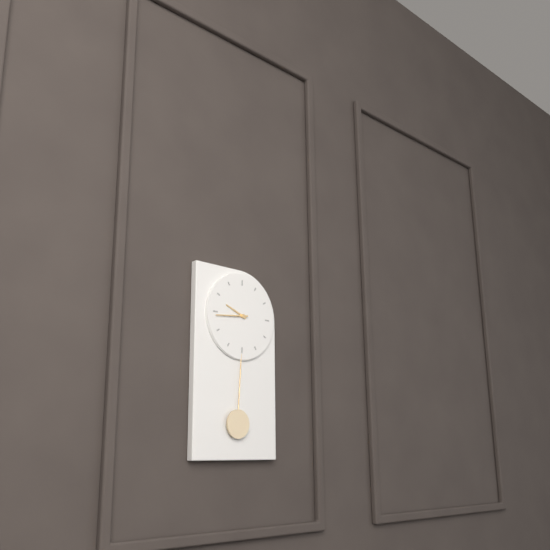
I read {"hour": 9, "minute": 44}
